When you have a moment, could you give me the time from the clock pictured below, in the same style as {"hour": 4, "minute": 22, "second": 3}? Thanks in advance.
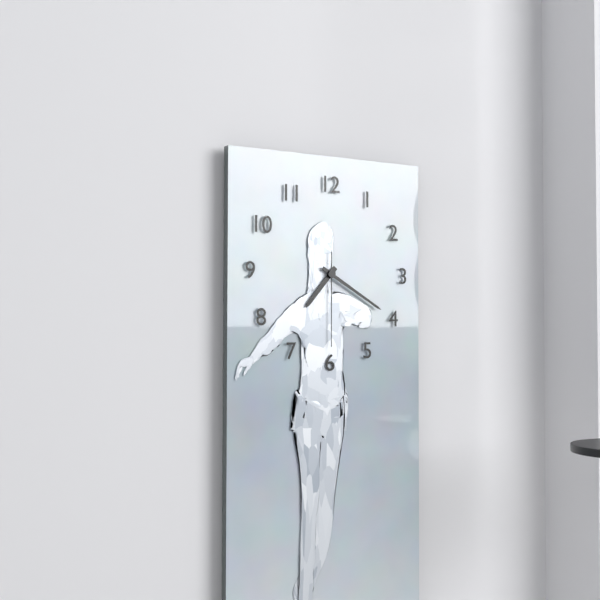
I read {"hour": 7, "minute": 20, "second": 30}
